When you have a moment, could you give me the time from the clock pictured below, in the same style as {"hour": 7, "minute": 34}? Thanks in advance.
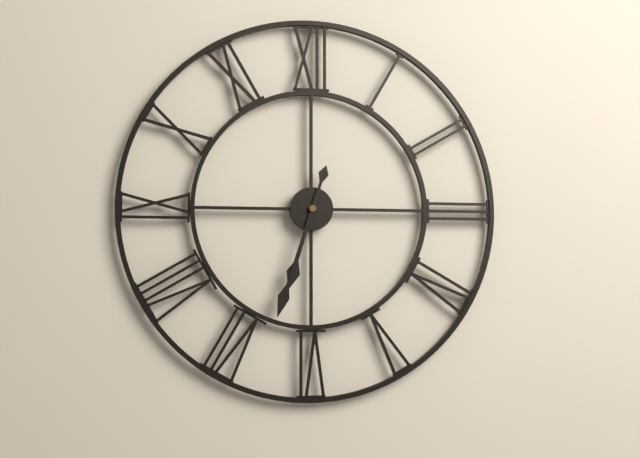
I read {"hour": 6, "minute": 33}
